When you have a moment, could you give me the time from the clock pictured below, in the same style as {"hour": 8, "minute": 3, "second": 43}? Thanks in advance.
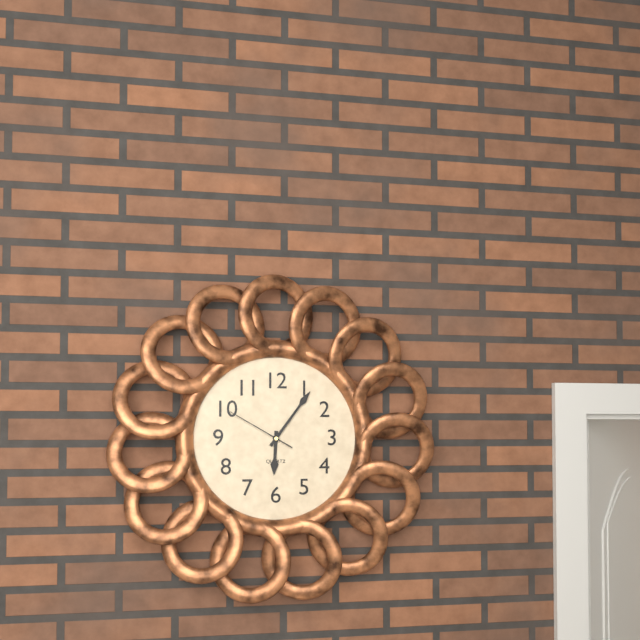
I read {"hour": 6, "minute": 6, "second": 50}
